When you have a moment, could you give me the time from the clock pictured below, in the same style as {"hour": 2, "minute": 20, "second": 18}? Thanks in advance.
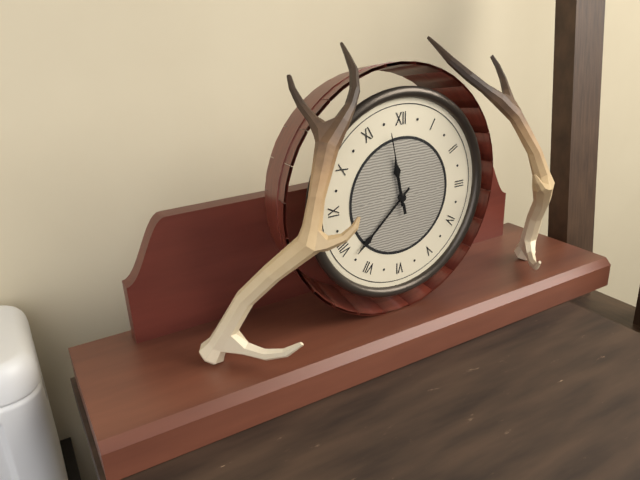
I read {"hour": 11, "minute": 38, "second": 58}
